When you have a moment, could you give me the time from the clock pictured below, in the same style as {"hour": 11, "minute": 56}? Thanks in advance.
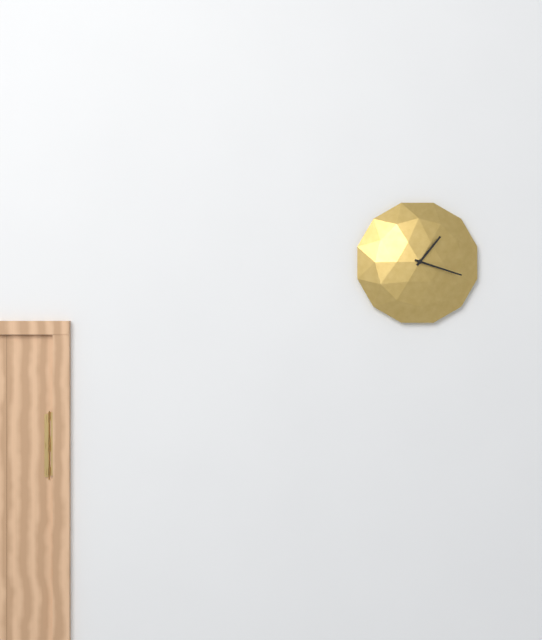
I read {"hour": 1, "minute": 18}
